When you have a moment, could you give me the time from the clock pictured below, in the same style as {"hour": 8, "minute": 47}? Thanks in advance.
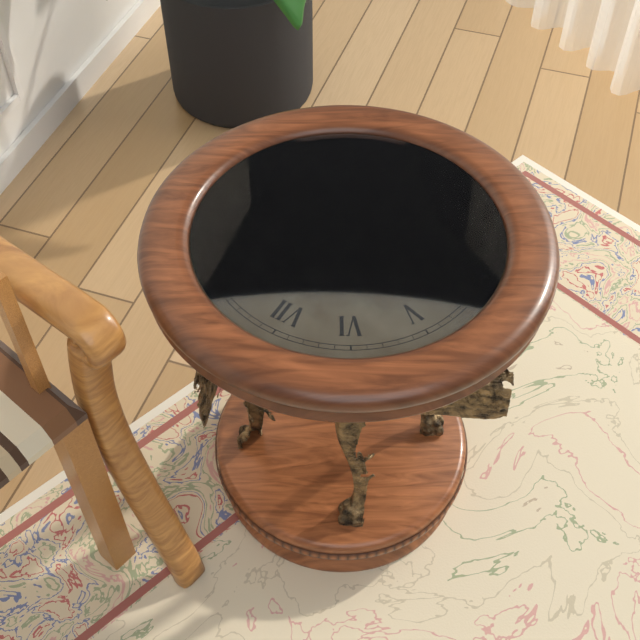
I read {"hour": 11, "minute": 58}
